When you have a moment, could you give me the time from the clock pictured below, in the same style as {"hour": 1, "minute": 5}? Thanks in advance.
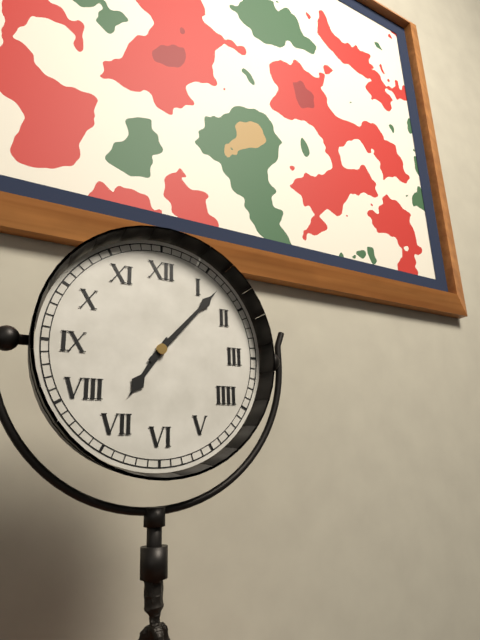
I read {"hour": 7, "minute": 7}
